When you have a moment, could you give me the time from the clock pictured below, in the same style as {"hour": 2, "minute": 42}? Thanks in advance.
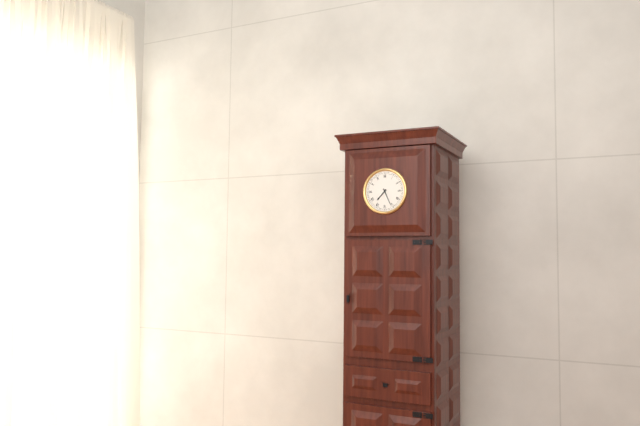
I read {"hour": 7, "minute": 26}
